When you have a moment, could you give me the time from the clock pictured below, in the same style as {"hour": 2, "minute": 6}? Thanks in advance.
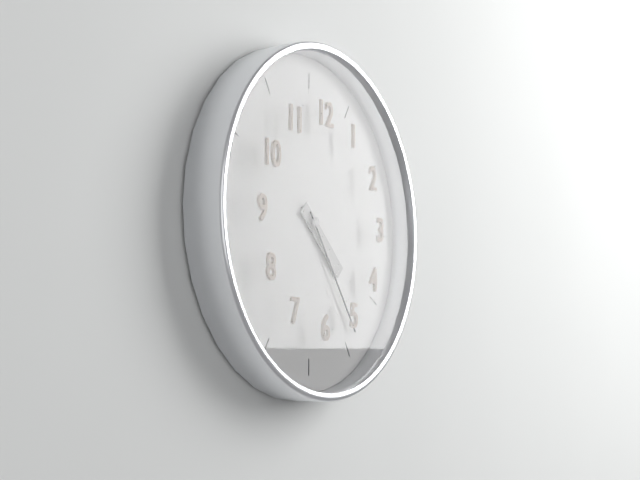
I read {"hour": 4, "minute": 24}
